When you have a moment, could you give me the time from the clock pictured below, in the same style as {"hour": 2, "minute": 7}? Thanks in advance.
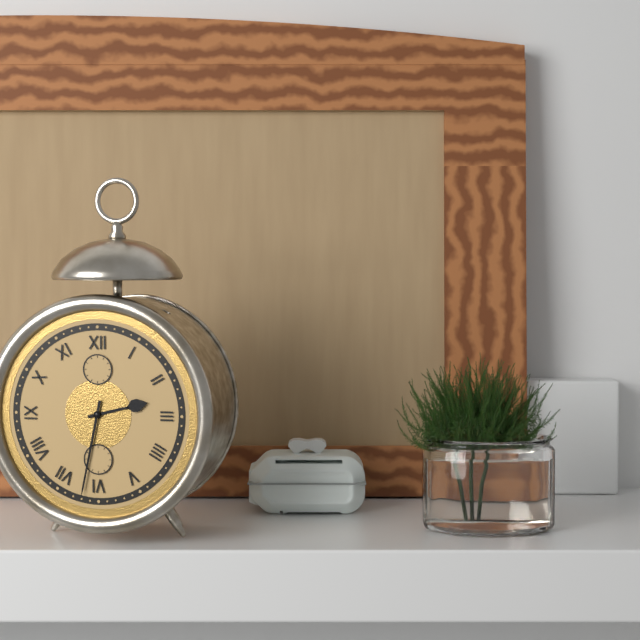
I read {"hour": 2, "minute": 32}
